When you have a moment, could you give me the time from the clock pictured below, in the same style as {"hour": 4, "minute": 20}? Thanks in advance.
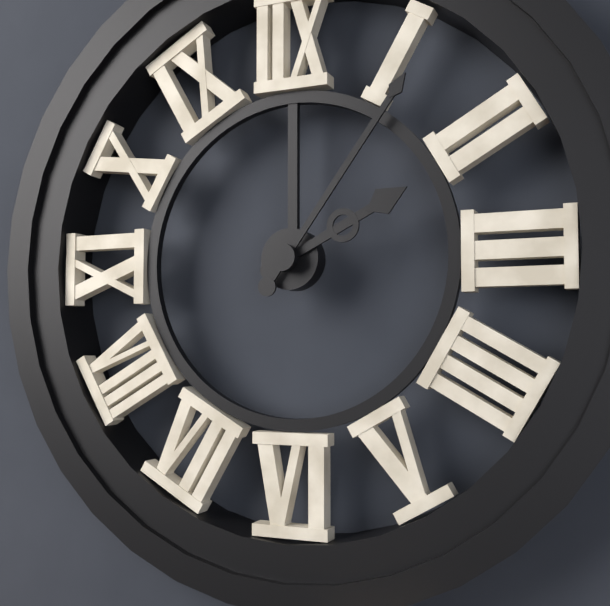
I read {"hour": 2, "minute": 6}
